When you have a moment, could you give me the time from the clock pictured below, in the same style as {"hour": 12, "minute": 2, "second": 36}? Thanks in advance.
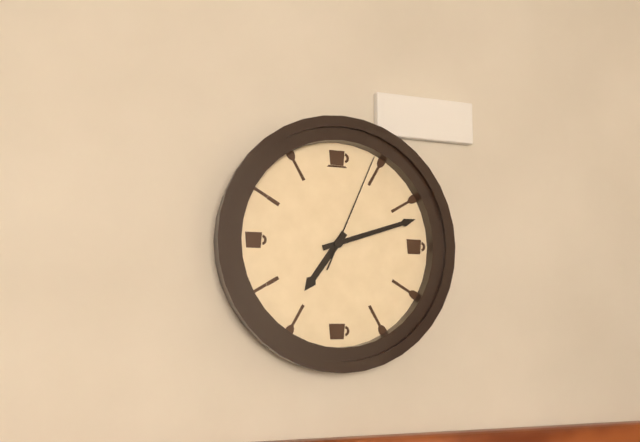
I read {"hour": 7, "minute": 12, "second": 4}
